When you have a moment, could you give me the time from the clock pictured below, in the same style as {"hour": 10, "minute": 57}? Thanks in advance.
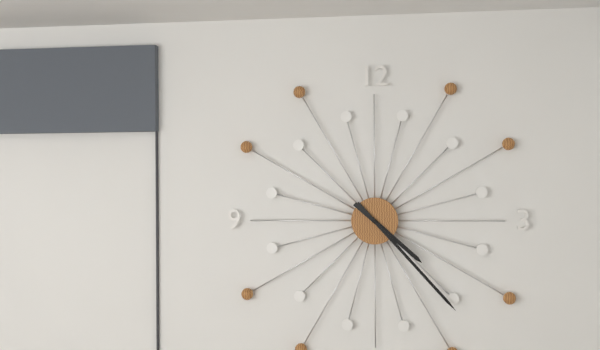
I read {"hour": 4, "minute": 23}
